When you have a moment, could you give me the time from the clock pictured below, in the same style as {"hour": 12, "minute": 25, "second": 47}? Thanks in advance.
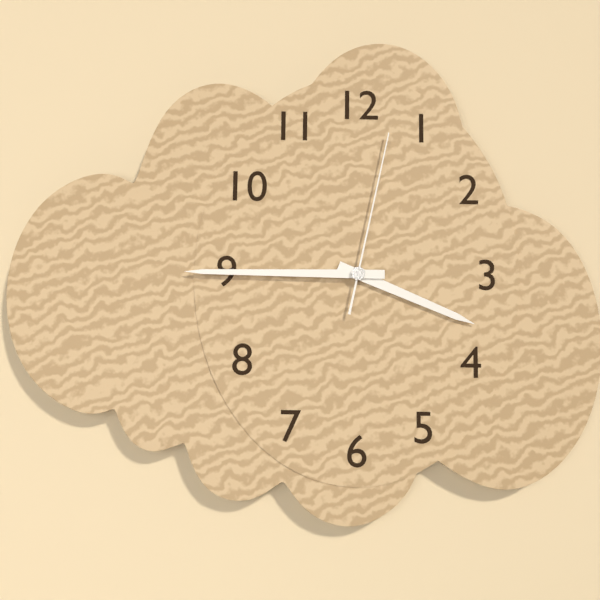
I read {"hour": 3, "minute": 45, "second": 2}
